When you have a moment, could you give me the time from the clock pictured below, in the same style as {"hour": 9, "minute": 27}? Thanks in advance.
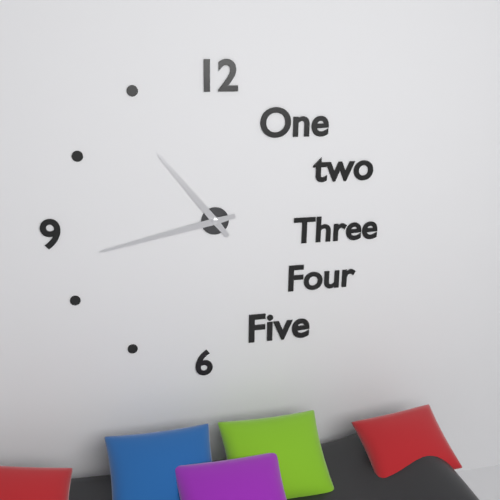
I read {"hour": 10, "minute": 43}
